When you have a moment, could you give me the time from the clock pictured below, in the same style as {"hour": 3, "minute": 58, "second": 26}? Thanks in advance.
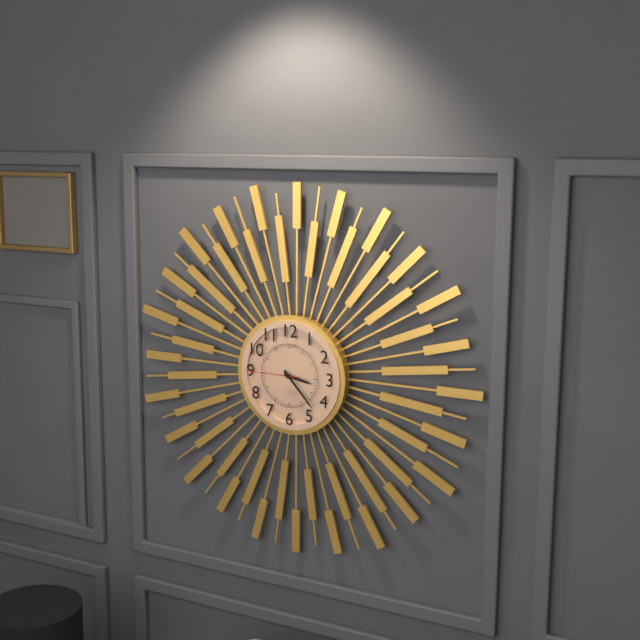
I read {"hour": 3, "minute": 23, "second": 45}
